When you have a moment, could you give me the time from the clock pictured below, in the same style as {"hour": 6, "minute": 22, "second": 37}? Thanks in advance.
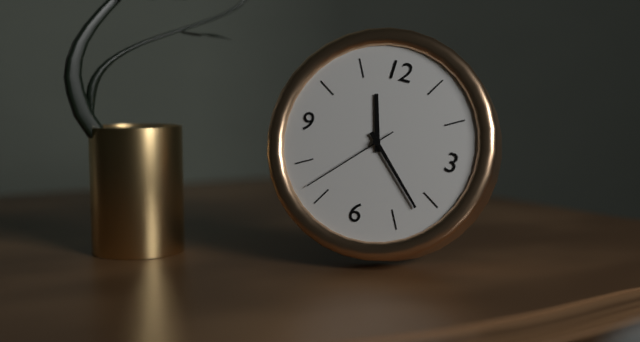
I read {"hour": 11, "minute": 22, "second": 37}
